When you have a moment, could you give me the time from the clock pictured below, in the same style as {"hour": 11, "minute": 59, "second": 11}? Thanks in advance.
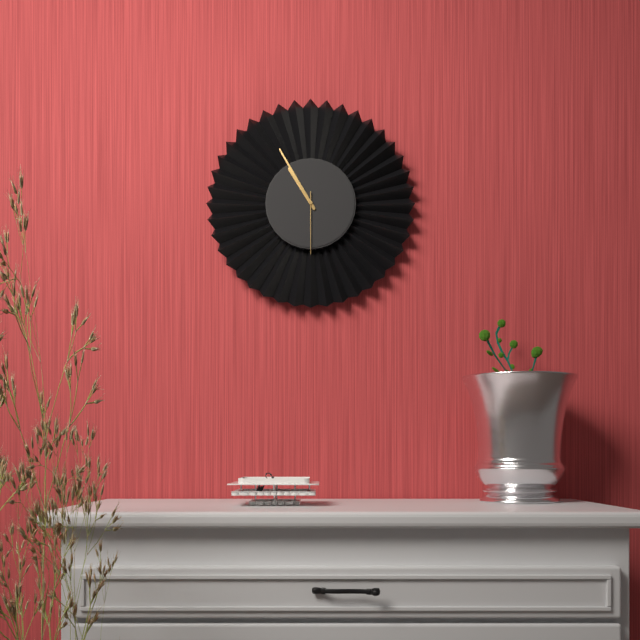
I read {"hour": 10, "minute": 55, "second": 30}
